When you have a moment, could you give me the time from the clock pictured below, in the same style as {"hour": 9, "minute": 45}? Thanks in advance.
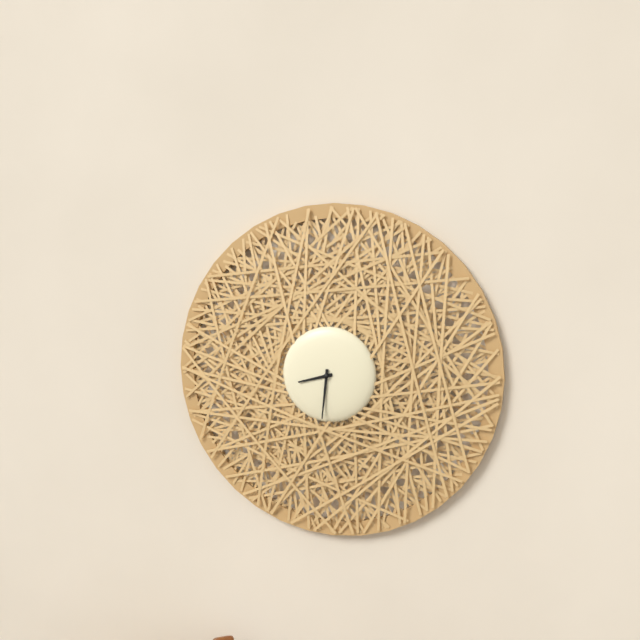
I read {"hour": 8, "minute": 31}
